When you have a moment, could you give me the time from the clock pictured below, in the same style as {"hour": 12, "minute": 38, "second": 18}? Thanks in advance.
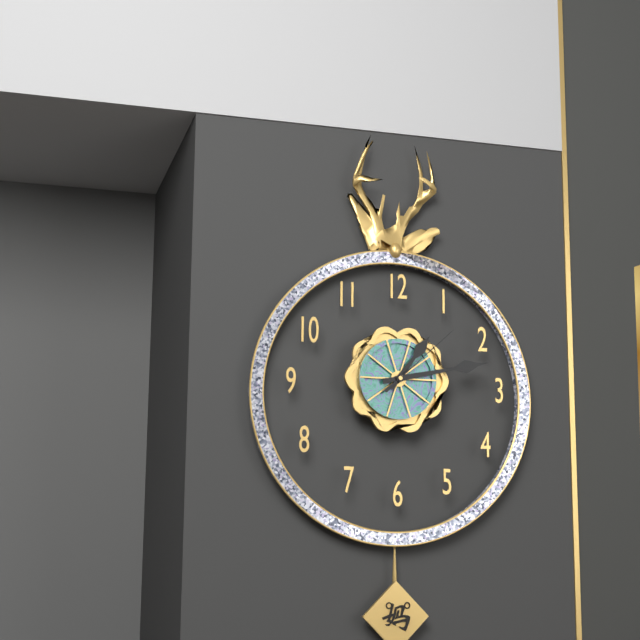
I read {"hour": 1, "minute": 13, "second": 8}
